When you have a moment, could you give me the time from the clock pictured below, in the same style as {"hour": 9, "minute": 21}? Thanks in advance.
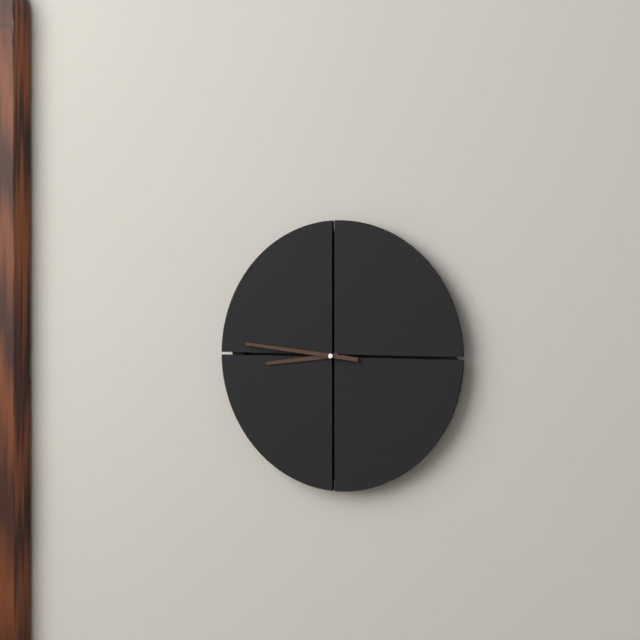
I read {"hour": 8, "minute": 46}
